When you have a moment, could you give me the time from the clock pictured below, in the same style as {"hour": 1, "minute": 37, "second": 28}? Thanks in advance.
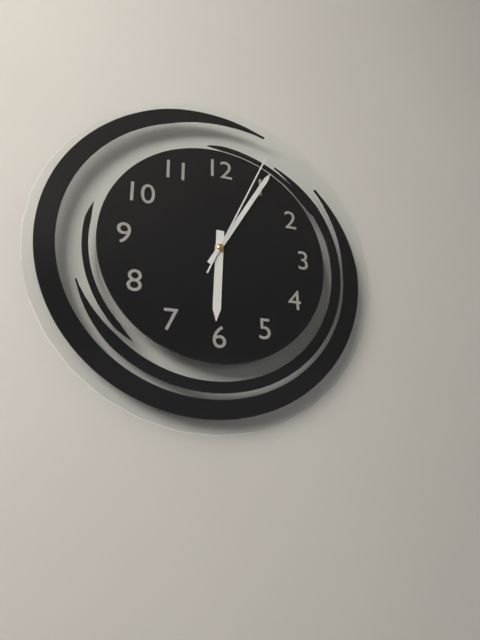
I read {"hour": 6, "minute": 5, "second": 4}
